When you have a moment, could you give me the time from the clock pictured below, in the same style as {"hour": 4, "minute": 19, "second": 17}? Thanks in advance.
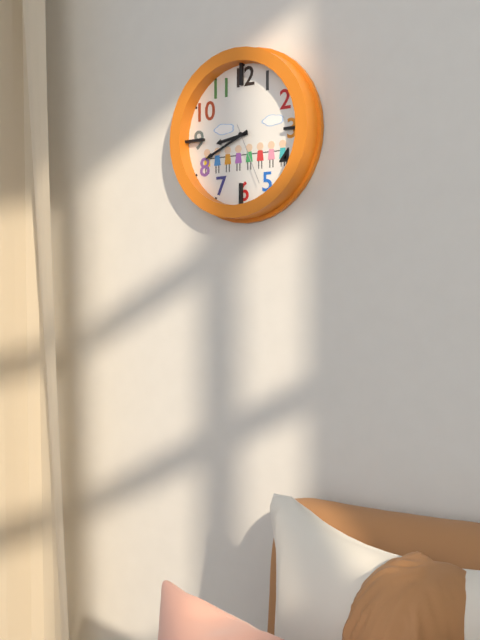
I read {"hour": 8, "minute": 41, "second": 26}
